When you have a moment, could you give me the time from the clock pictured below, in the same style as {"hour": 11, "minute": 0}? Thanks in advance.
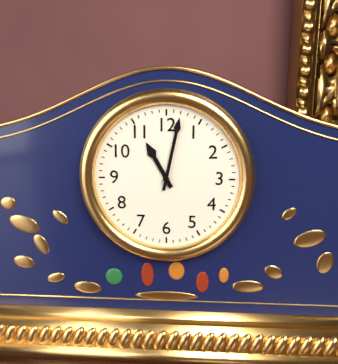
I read {"hour": 11, "minute": 2}
